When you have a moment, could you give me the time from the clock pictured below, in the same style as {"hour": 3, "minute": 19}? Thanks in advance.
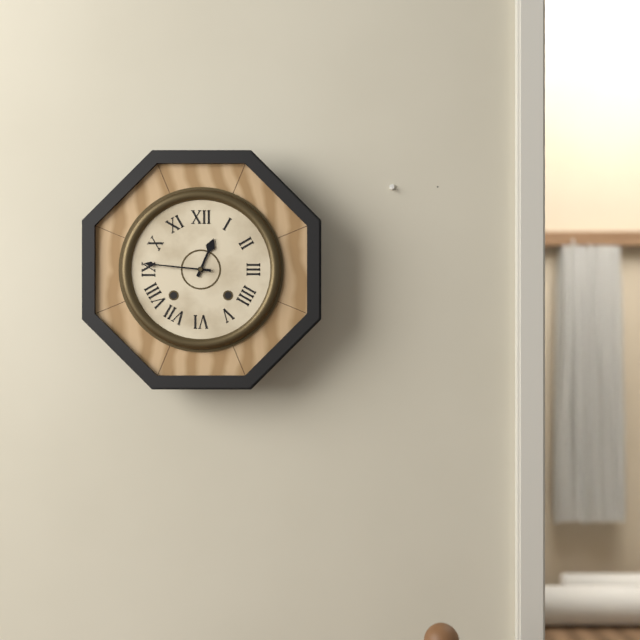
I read {"hour": 12, "minute": 46}
